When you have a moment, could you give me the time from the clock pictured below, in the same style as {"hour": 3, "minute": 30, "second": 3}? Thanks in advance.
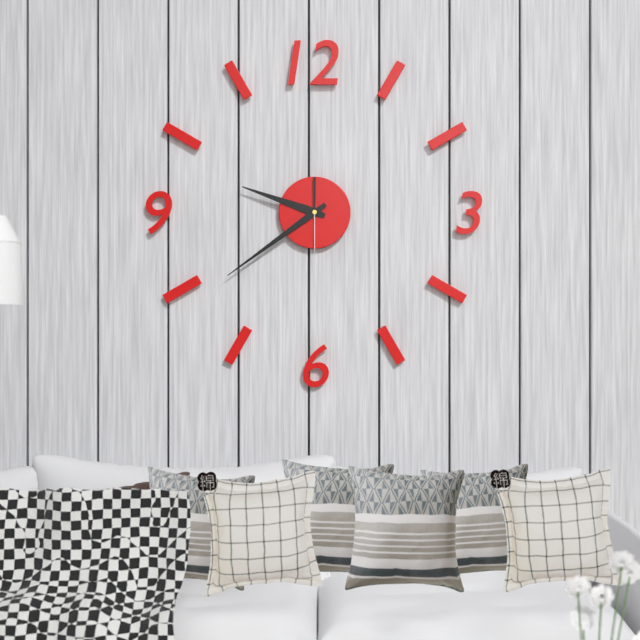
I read {"hour": 9, "minute": 39, "second": 30}
